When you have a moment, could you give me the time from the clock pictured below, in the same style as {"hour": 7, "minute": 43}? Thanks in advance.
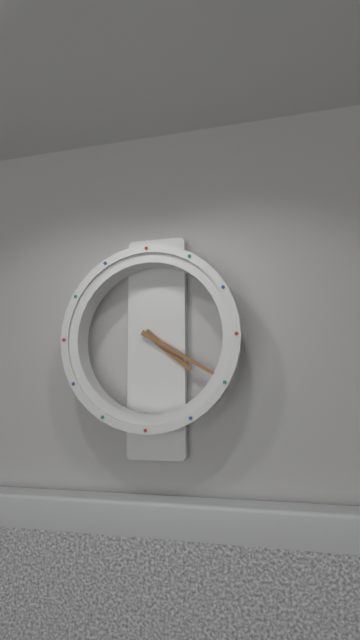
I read {"hour": 4, "minute": 20}
